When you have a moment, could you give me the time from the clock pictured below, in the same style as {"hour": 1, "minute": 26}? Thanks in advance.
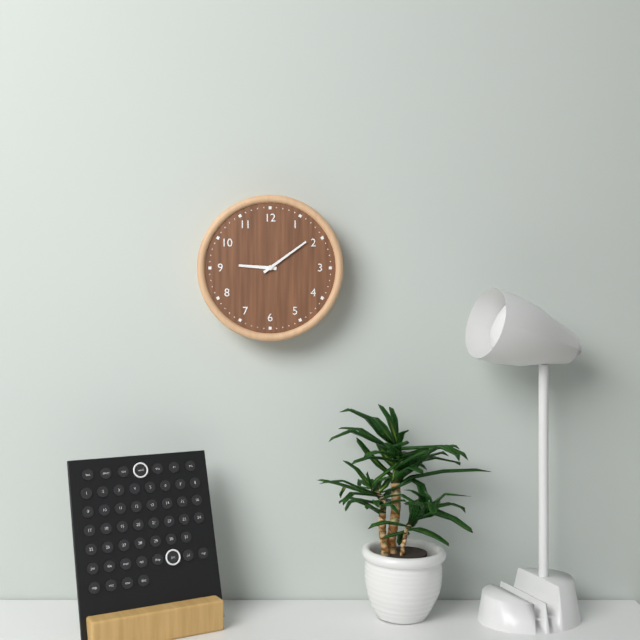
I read {"hour": 9, "minute": 9}
